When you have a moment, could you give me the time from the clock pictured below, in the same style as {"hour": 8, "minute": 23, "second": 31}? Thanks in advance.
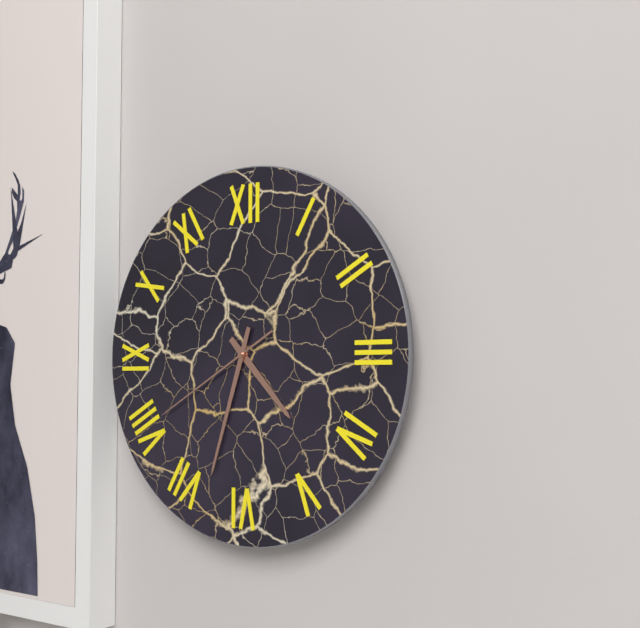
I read {"hour": 4, "minute": 33, "second": 40}
